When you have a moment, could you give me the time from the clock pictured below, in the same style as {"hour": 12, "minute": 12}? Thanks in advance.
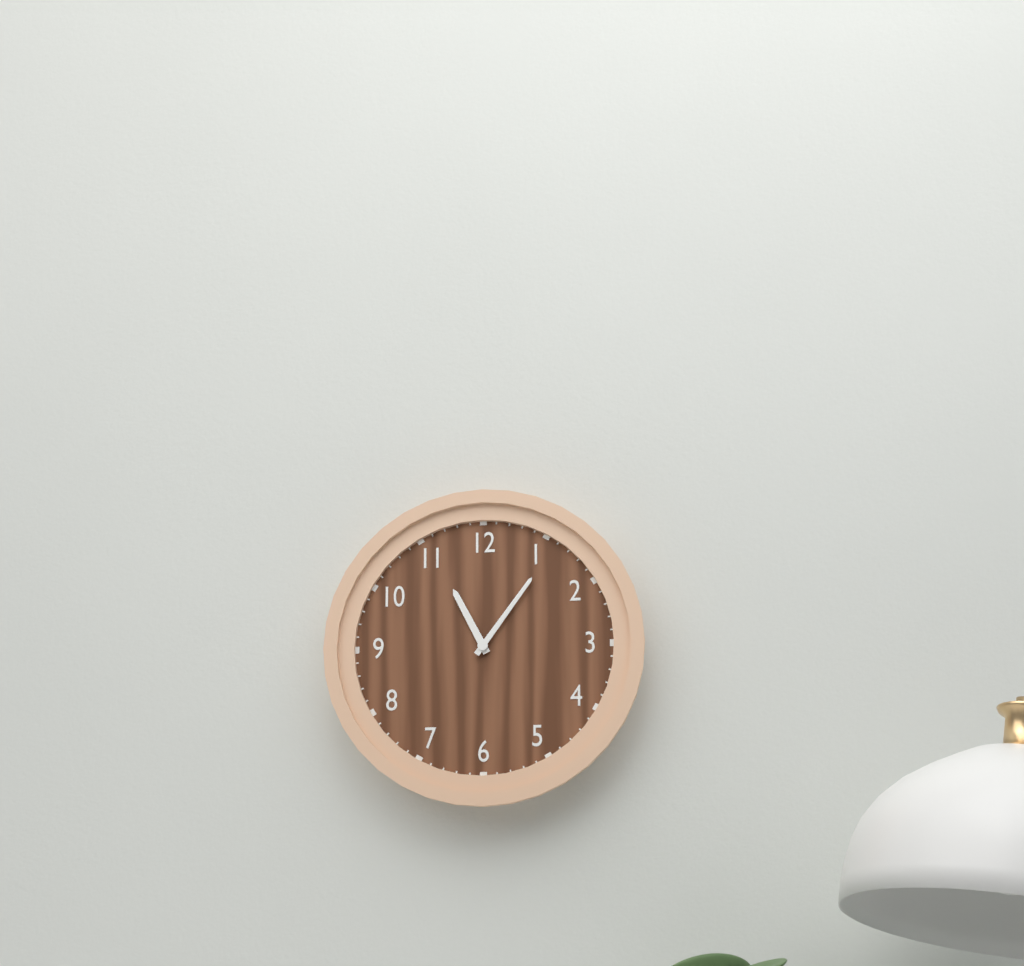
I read {"hour": 11, "minute": 6}
